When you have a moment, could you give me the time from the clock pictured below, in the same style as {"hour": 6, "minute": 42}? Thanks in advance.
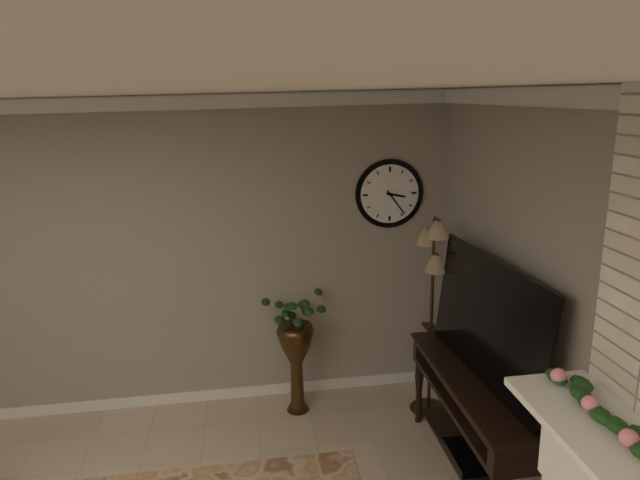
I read {"hour": 3, "minute": 24}
